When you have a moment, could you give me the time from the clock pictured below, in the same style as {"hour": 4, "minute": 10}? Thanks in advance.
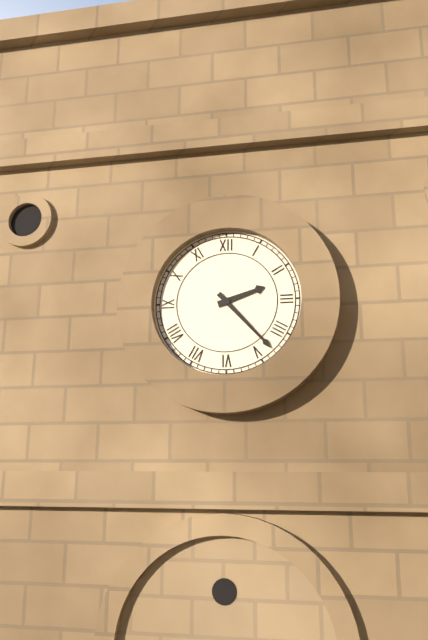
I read {"hour": 2, "minute": 23}
